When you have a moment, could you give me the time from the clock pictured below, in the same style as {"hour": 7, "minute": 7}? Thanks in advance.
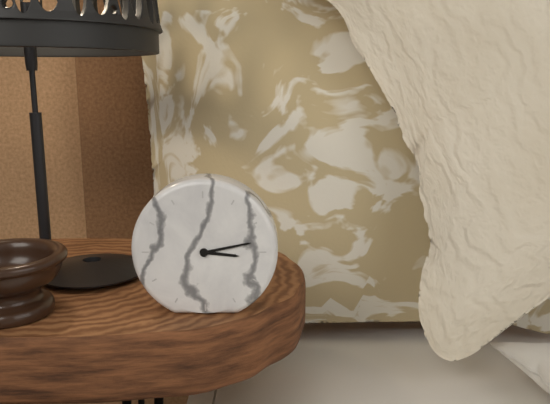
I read {"hour": 3, "minute": 13}
